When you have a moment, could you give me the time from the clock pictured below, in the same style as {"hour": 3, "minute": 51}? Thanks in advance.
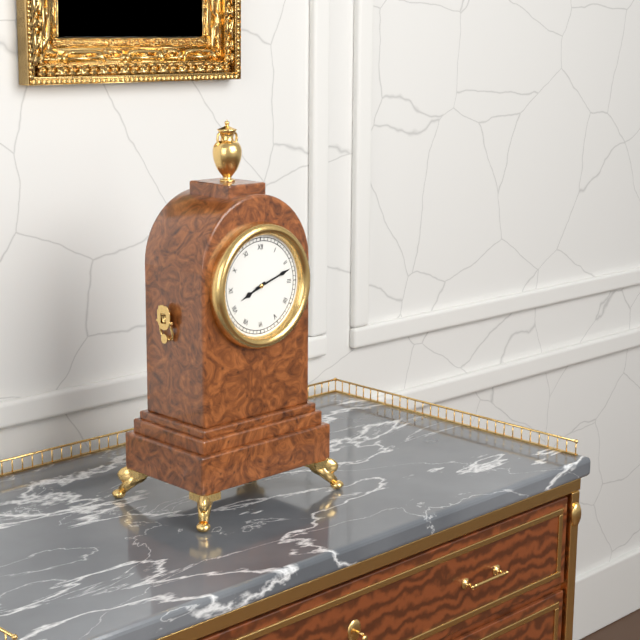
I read {"hour": 8, "minute": 12}
